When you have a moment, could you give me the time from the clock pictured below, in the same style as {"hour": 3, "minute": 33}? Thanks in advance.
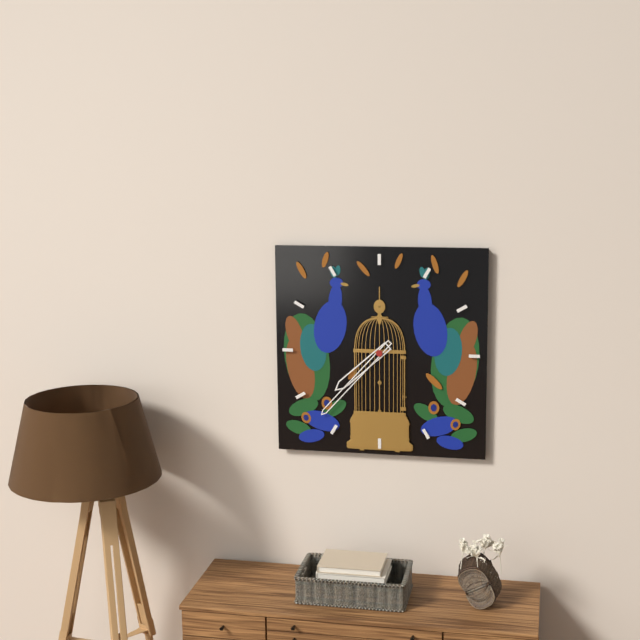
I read {"hour": 7, "minute": 37}
